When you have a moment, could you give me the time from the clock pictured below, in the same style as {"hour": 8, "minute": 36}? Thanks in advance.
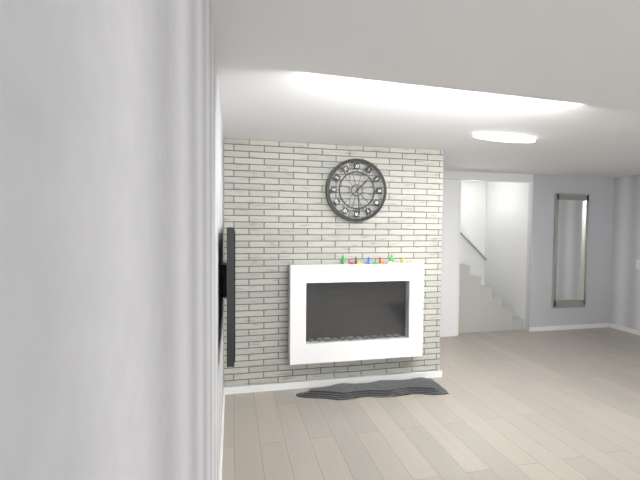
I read {"hour": 1, "minute": 29}
